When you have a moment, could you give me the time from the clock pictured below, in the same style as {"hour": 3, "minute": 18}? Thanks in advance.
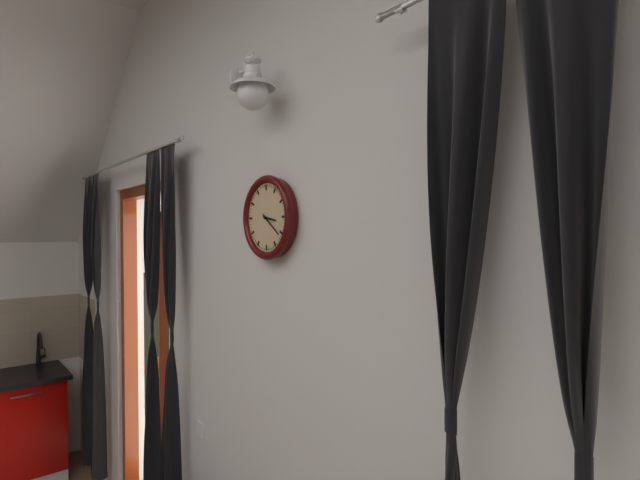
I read {"hour": 3, "minute": 21}
